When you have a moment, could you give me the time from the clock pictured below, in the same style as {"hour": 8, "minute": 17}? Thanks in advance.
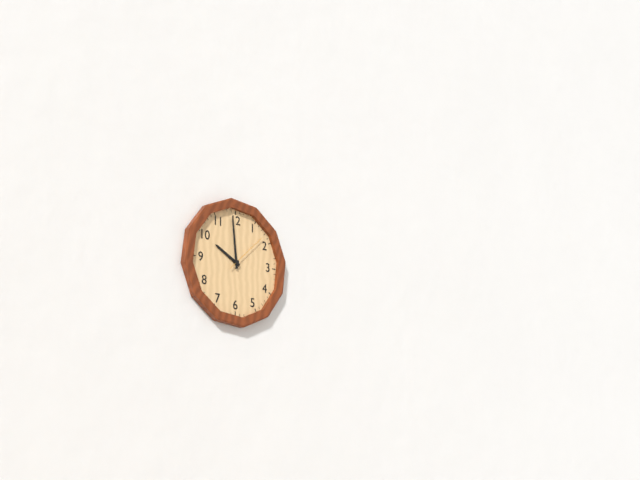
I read {"hour": 9, "minute": 59}
